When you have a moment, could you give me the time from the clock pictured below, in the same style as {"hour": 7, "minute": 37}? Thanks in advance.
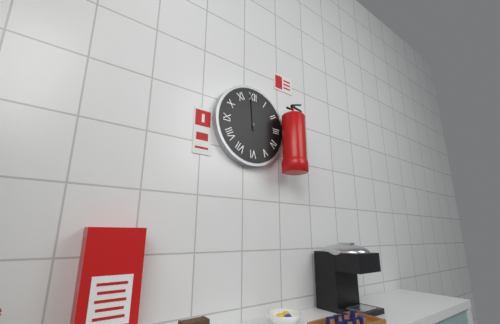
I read {"hour": 11, "minute": 59}
